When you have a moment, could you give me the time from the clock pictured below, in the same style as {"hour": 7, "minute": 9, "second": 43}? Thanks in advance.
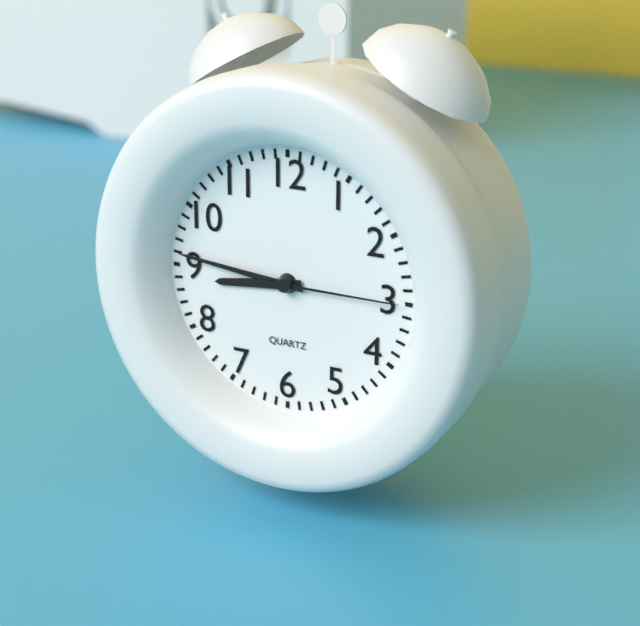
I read {"hour": 8, "minute": 46, "second": 15}
